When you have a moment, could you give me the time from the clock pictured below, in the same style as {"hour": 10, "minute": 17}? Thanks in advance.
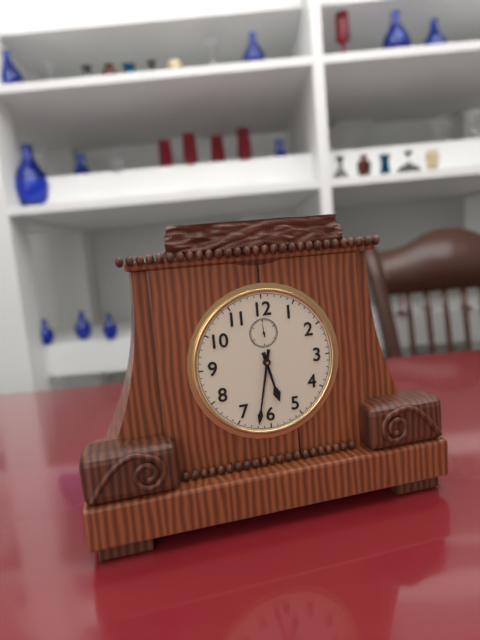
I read {"hour": 5, "minute": 32}
